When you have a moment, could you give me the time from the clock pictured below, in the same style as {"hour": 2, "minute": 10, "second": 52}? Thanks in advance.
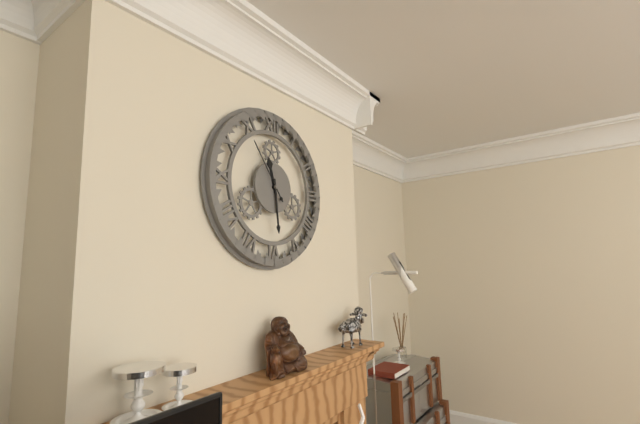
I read {"hour": 11, "minute": 29, "second": 54}
